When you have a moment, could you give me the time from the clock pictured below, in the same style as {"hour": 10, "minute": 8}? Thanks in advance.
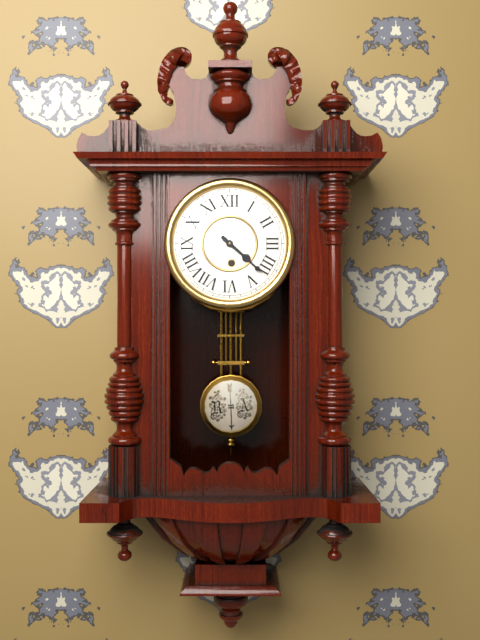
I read {"hour": 4, "minute": 22}
